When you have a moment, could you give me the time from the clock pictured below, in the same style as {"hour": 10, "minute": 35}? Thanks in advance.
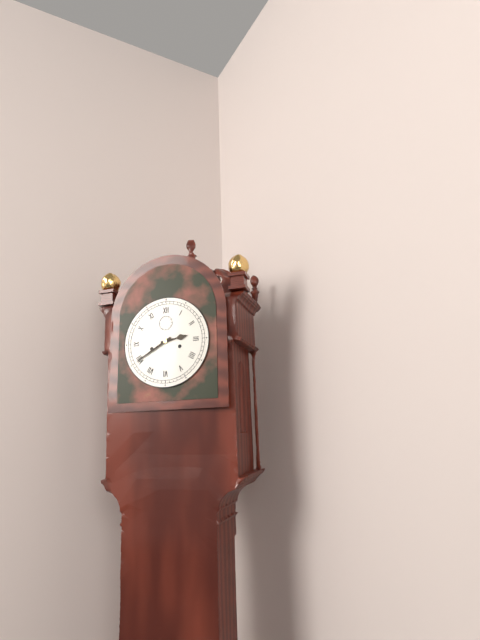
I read {"hour": 2, "minute": 40}
